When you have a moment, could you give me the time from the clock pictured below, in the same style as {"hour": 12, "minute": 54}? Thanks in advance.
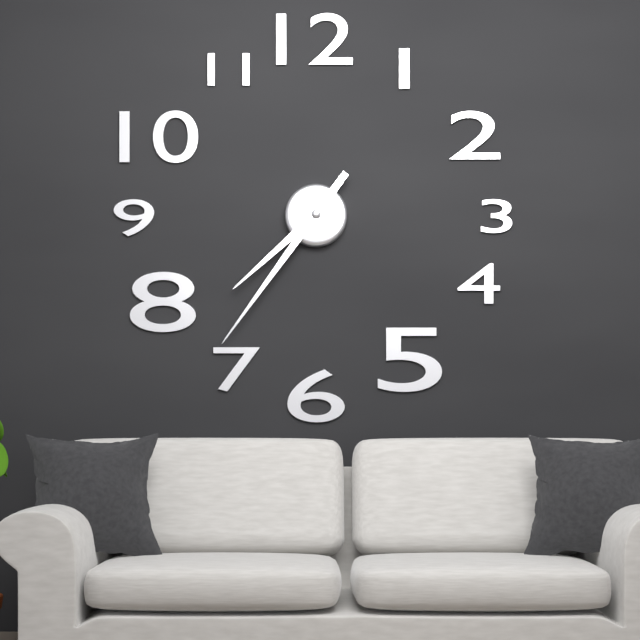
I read {"hour": 7, "minute": 36}
